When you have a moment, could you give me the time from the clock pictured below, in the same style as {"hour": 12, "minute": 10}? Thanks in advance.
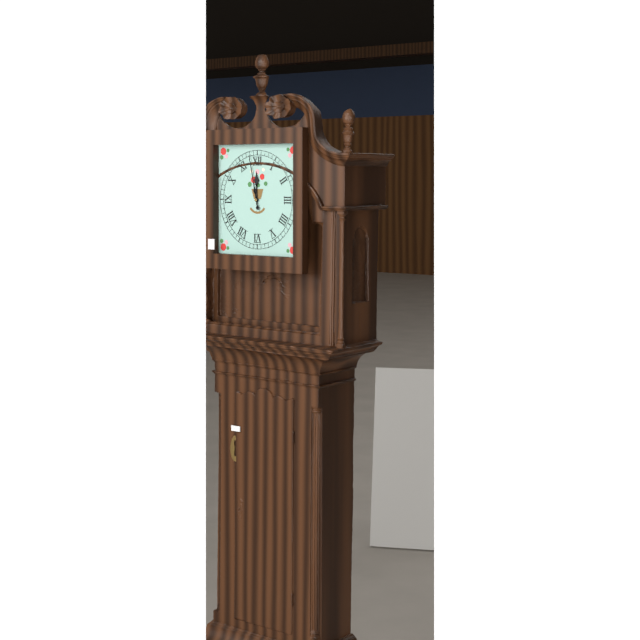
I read {"hour": 11, "minute": 58}
